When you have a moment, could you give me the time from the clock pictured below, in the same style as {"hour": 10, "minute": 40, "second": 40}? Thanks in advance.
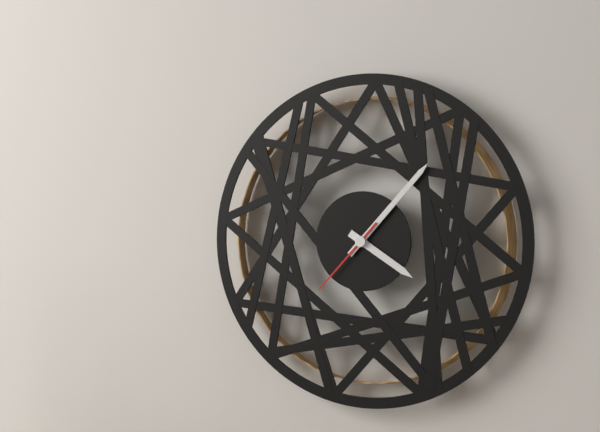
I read {"hour": 4, "minute": 7, "second": 37}
